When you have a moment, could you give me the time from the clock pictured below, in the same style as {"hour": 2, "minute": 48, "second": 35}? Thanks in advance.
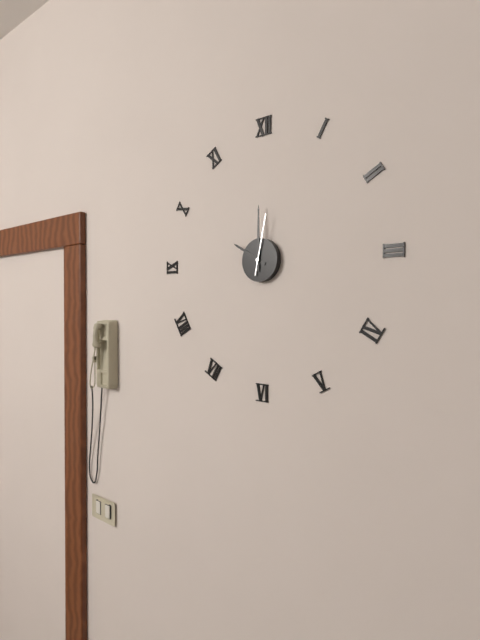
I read {"hour": 10, "minute": 0, "second": 2}
